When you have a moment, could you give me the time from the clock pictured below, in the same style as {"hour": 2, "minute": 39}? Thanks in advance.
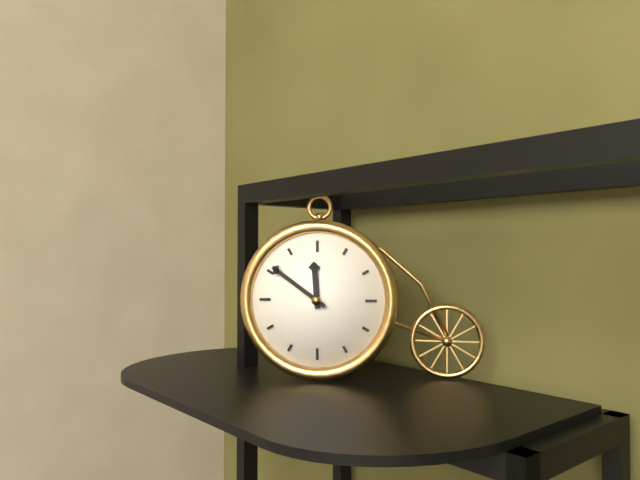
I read {"hour": 11, "minute": 51}
